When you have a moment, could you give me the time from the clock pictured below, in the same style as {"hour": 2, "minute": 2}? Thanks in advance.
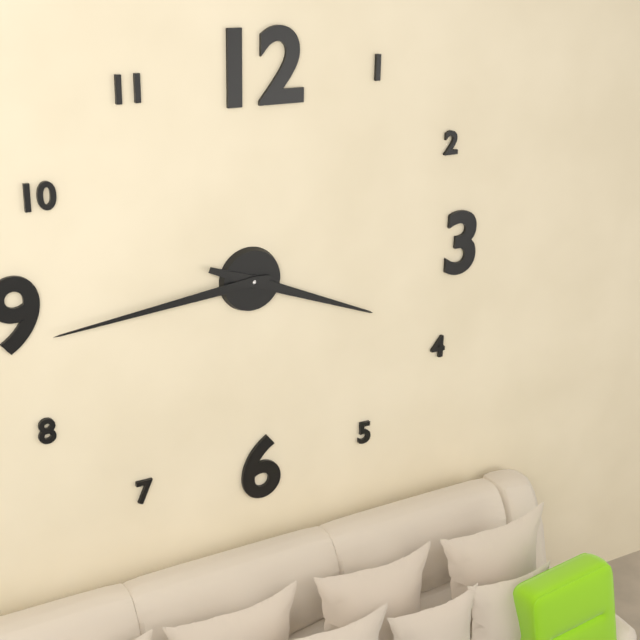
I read {"hour": 3, "minute": 44}
